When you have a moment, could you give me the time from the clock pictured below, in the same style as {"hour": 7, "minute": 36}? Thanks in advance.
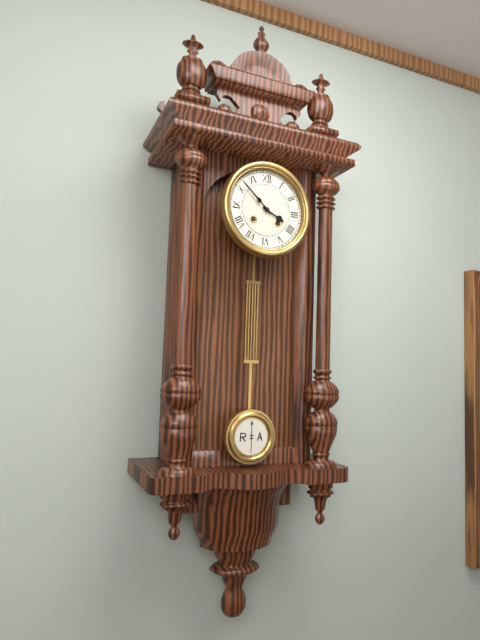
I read {"hour": 3, "minute": 52}
